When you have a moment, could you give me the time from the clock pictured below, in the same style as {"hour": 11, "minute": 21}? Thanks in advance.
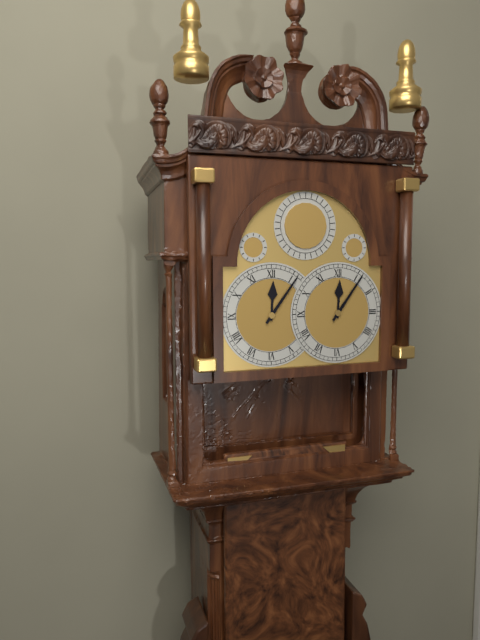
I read {"hour": 12, "minute": 6}
